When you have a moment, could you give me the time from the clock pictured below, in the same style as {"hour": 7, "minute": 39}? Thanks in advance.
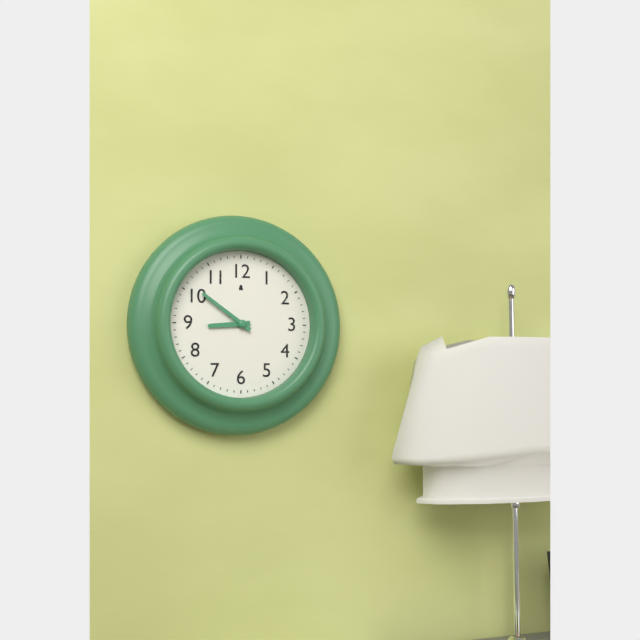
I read {"hour": 8, "minute": 51}
